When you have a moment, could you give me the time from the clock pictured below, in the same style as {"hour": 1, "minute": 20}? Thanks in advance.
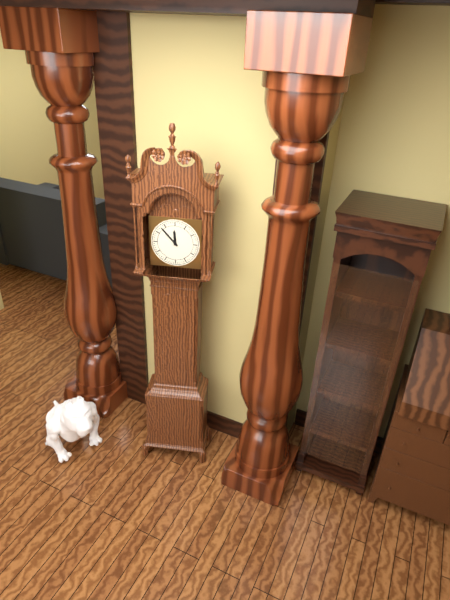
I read {"hour": 11, "minute": 53}
